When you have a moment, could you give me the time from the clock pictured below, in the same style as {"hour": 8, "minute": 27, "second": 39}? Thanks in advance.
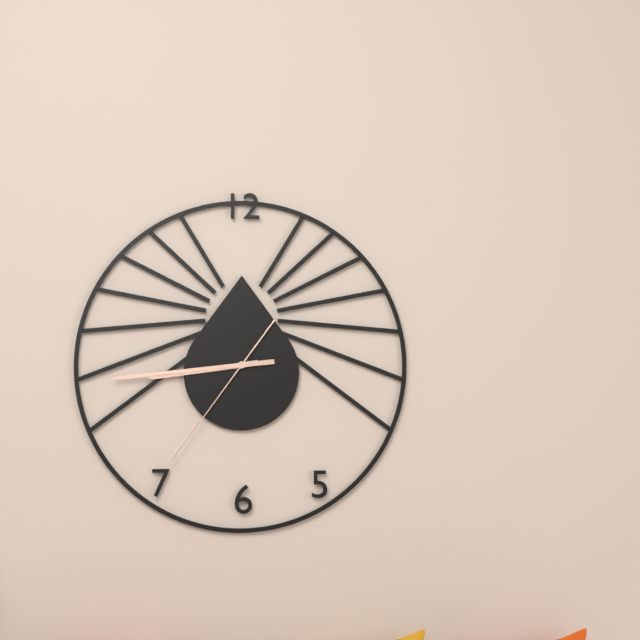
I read {"hour": 8, "minute": 44, "second": 36}
